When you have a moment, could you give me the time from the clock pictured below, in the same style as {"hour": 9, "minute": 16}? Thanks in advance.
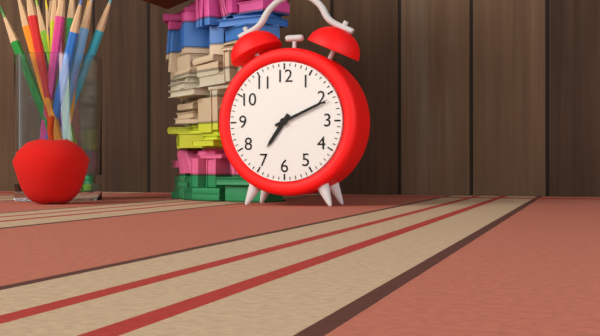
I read {"hour": 7, "minute": 11}
